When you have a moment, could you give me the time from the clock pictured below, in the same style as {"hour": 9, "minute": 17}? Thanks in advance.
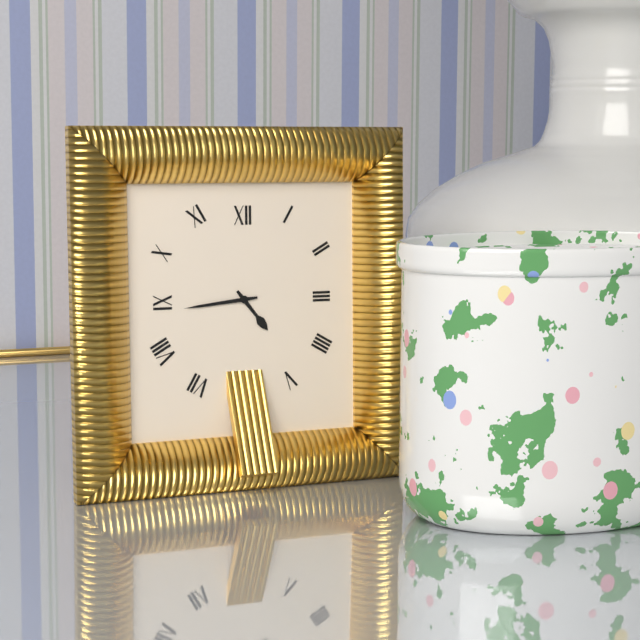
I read {"hour": 4, "minute": 44}
